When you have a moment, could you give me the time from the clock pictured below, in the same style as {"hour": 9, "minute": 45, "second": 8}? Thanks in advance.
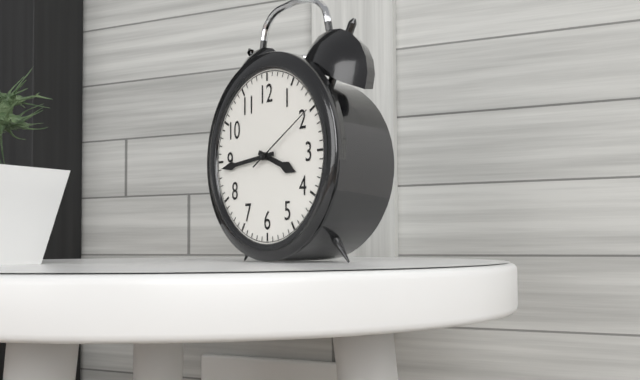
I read {"hour": 3, "minute": 44, "second": 10}
